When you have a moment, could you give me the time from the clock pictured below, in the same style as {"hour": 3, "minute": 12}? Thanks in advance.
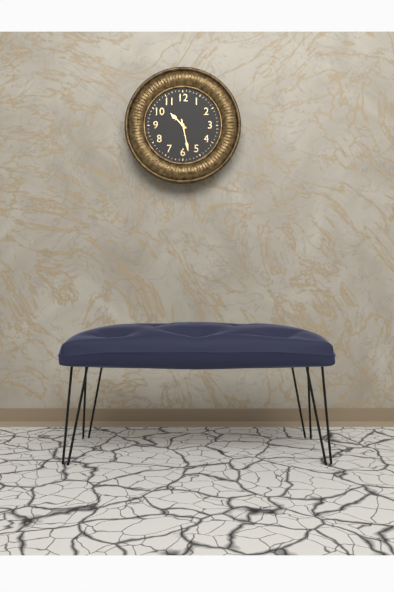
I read {"hour": 10, "minute": 28}
